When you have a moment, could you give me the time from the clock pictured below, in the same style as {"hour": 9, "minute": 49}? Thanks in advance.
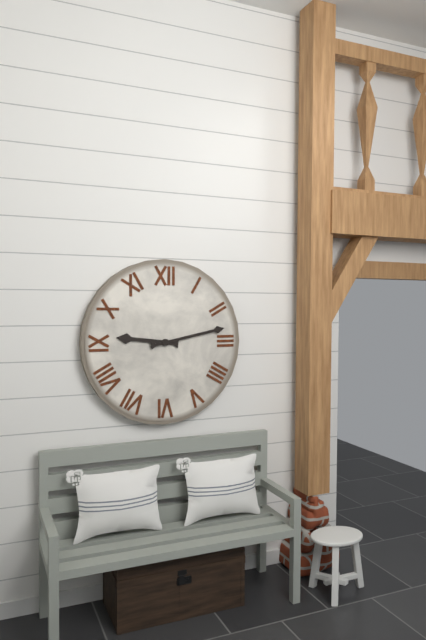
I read {"hour": 9, "minute": 13}
